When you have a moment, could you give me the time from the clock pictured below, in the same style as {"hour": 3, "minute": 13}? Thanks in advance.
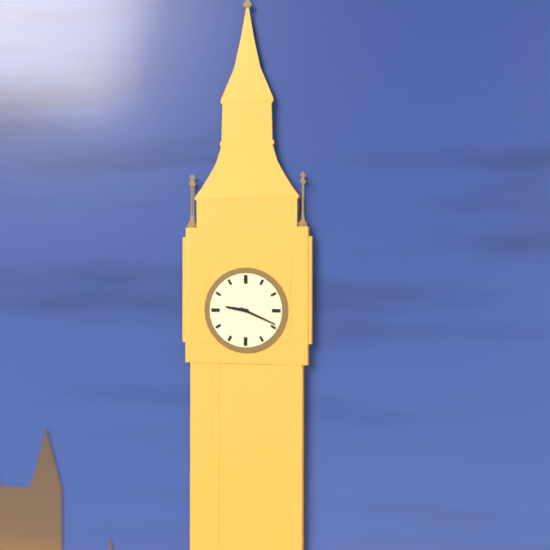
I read {"hour": 9, "minute": 19}
